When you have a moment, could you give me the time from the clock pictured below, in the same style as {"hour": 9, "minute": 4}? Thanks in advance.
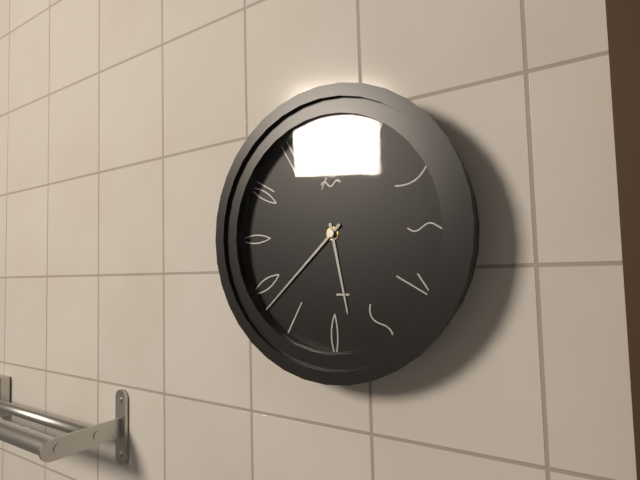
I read {"hour": 5, "minute": 38}
